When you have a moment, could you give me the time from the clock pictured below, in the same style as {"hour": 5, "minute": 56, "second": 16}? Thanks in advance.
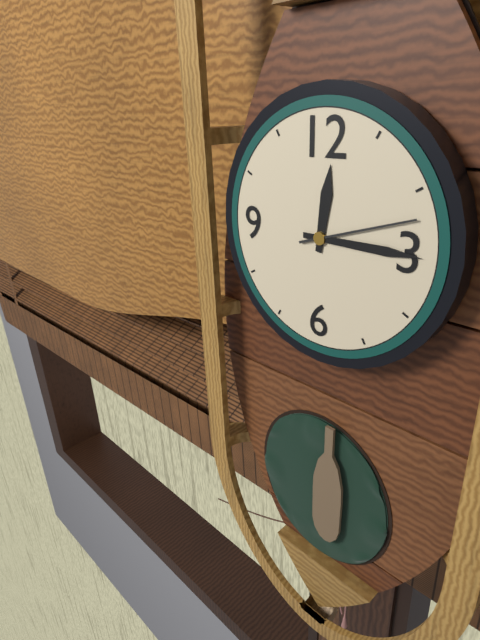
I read {"hour": 12, "minute": 15, "second": 12}
